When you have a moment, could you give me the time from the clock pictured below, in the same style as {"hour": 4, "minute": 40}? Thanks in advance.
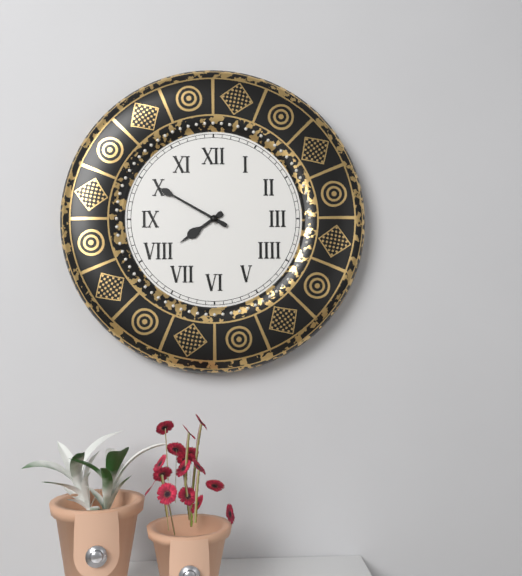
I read {"hour": 7, "minute": 50}
